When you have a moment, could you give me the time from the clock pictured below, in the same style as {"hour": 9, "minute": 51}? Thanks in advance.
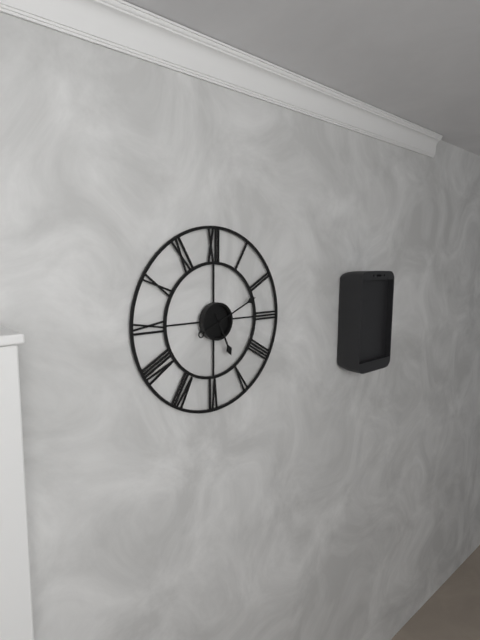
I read {"hour": 5, "minute": 11}
